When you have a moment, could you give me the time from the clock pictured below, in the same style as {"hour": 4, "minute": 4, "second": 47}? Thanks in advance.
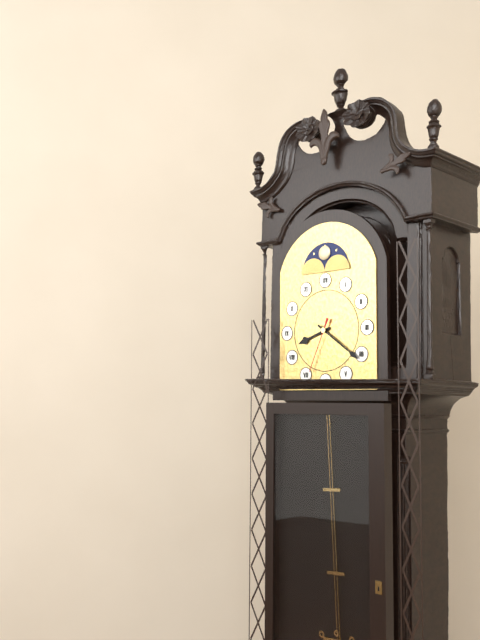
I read {"hour": 8, "minute": 21, "second": 34}
